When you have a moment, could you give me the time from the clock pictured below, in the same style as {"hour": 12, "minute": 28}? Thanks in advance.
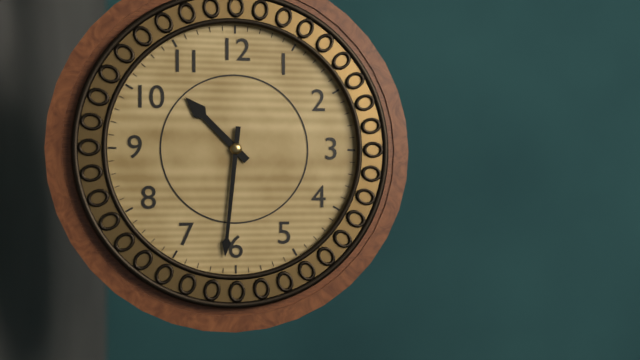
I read {"hour": 10, "minute": 31}
